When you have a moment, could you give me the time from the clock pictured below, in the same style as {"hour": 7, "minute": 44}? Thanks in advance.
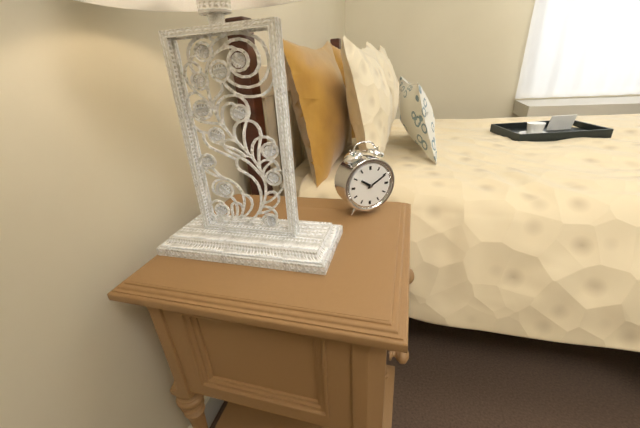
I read {"hour": 10, "minute": 10}
